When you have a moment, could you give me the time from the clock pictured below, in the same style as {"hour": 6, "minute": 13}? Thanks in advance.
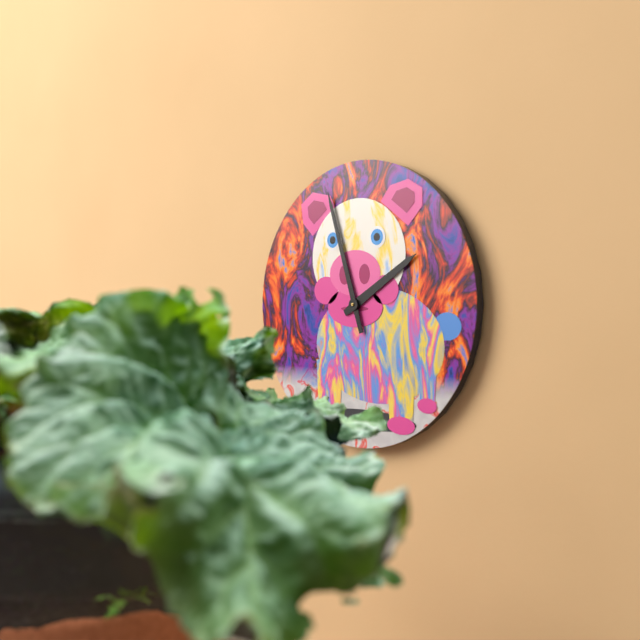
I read {"hour": 1, "minute": 57}
